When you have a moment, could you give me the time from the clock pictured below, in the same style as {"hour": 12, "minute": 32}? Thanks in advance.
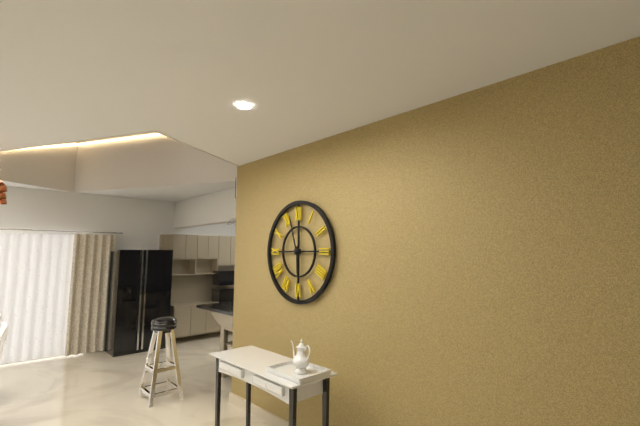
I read {"hour": 5, "minute": 57}
